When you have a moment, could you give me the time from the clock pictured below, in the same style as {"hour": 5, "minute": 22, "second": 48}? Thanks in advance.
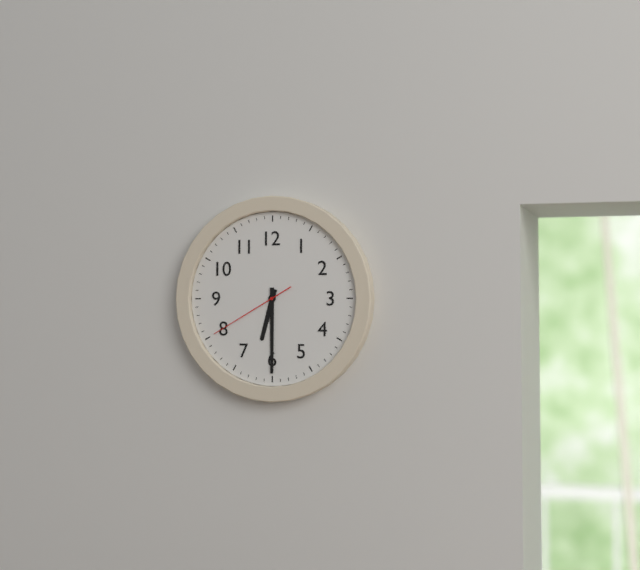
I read {"hour": 6, "minute": 30, "second": 40}
